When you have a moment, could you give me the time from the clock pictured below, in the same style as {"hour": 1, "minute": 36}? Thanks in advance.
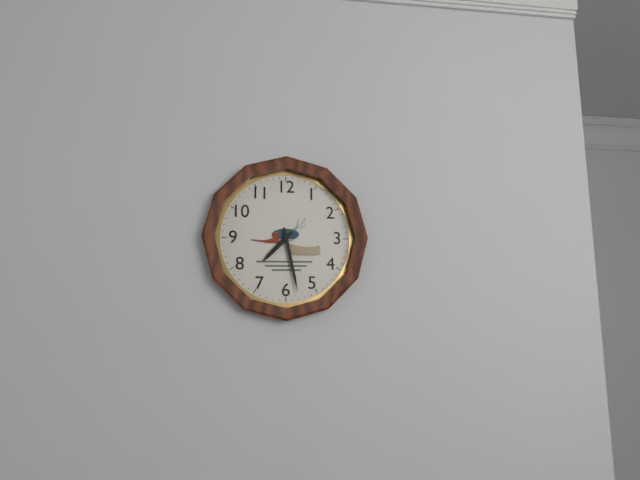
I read {"hour": 7, "minute": 28}
